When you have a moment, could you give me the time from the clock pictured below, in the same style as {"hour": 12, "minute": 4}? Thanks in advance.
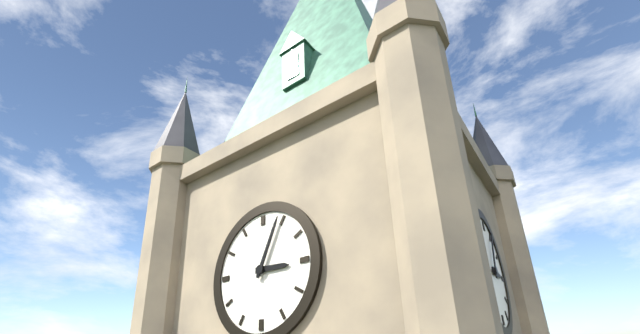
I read {"hour": 3, "minute": 4}
